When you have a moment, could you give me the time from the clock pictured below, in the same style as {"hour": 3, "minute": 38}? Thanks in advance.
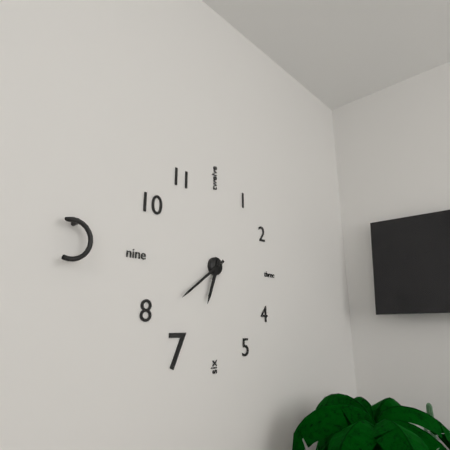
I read {"hour": 6, "minute": 39}
